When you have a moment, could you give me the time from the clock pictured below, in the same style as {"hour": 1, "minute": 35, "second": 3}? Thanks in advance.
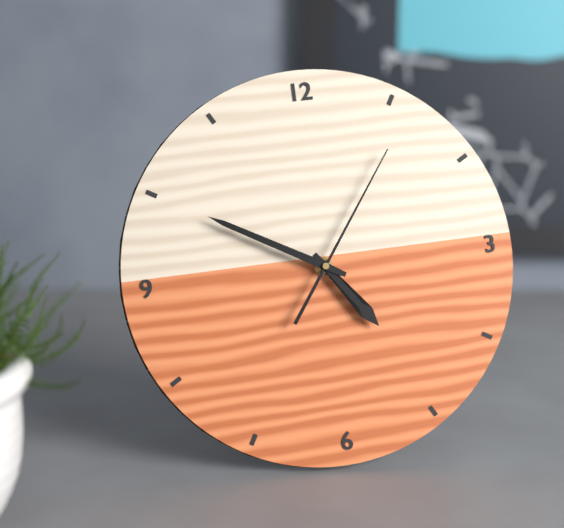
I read {"hour": 4, "minute": 50, "second": 6}
